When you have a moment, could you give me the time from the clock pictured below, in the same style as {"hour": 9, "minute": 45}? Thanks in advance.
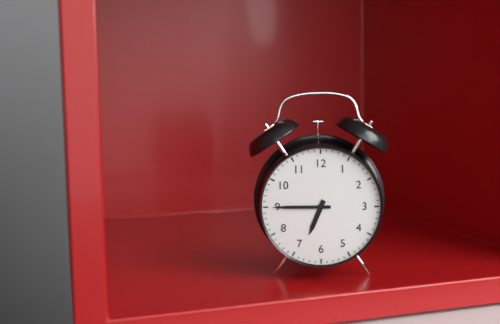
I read {"hour": 6, "minute": 45}
